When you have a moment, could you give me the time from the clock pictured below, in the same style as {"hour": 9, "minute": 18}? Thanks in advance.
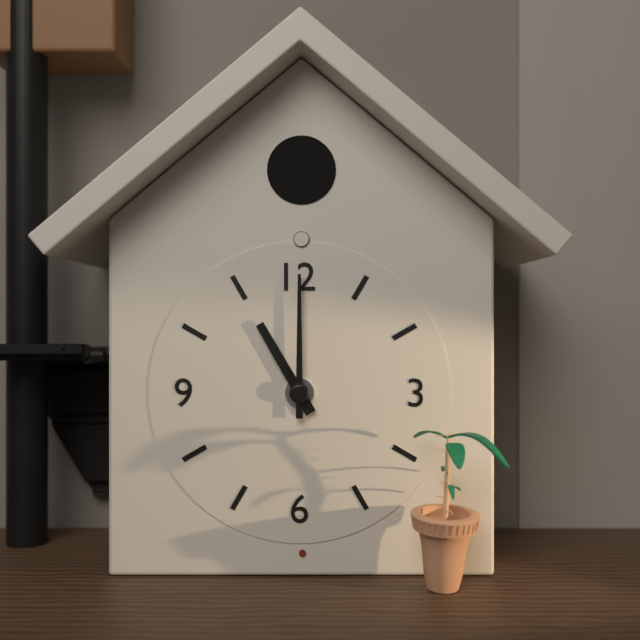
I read {"hour": 11, "minute": 0}
